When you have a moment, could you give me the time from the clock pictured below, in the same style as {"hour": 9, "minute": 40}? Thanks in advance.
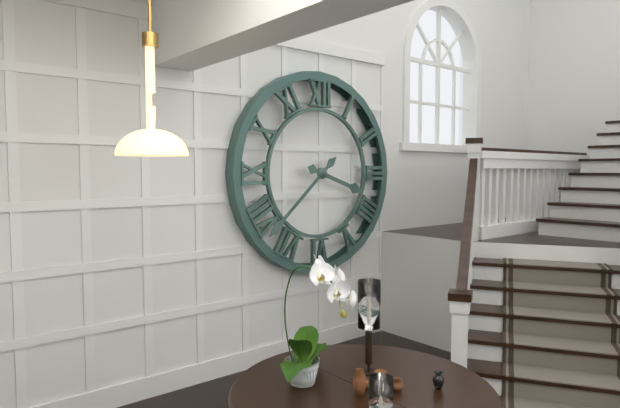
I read {"hour": 3, "minute": 38}
